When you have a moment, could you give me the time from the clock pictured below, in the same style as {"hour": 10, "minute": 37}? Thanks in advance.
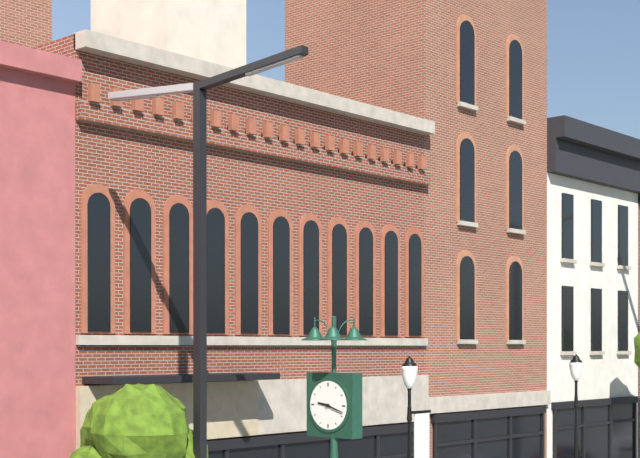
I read {"hour": 9, "minute": 18}
